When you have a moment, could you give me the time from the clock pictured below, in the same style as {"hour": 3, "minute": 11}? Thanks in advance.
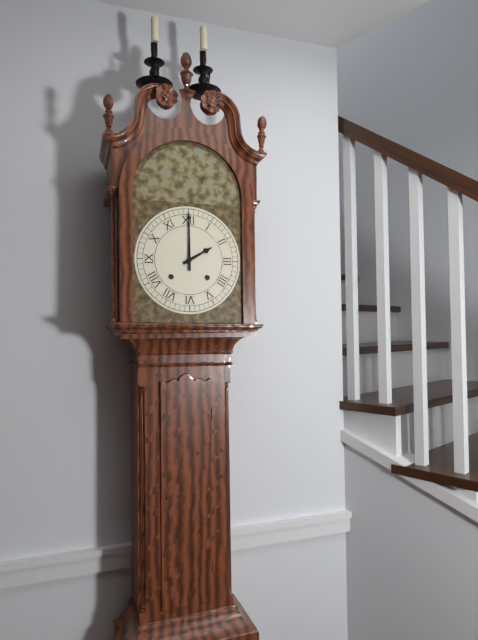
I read {"hour": 2, "minute": 0}
